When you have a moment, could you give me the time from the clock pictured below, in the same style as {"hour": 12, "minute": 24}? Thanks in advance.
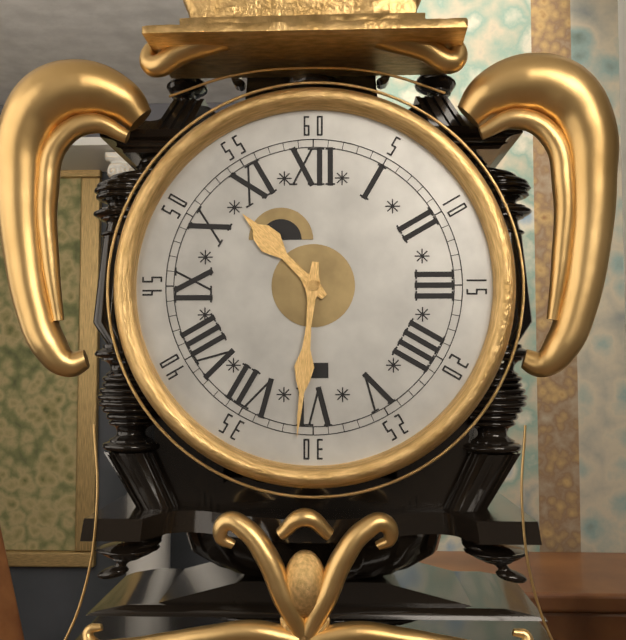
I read {"hour": 10, "minute": 31}
